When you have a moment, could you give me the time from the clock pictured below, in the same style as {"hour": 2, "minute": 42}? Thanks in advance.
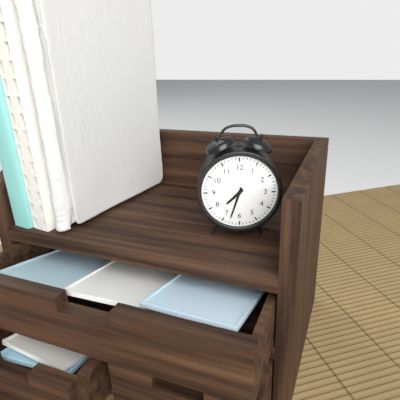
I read {"hour": 7, "minute": 33}
